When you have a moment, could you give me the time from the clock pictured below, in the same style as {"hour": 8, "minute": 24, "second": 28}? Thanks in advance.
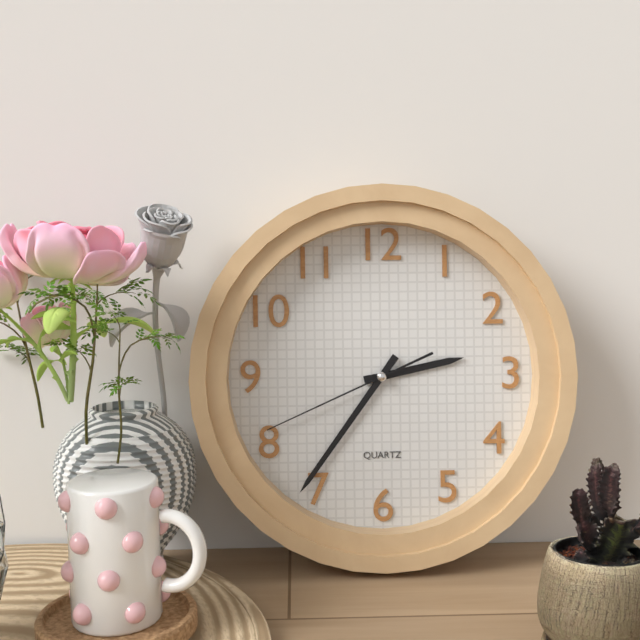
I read {"hour": 2, "minute": 36, "second": 41}
